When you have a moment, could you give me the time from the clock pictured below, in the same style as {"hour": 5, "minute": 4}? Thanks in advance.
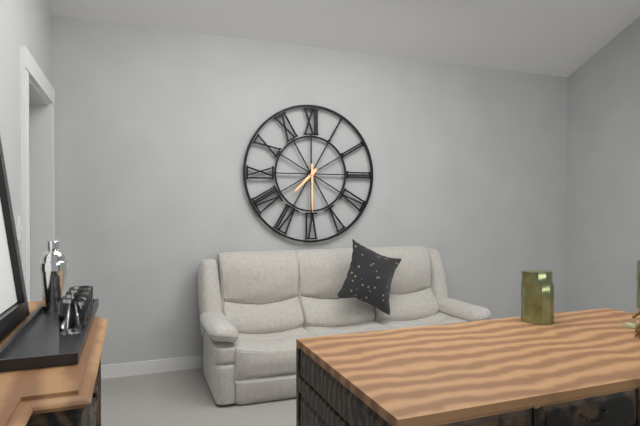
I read {"hour": 7, "minute": 30}
